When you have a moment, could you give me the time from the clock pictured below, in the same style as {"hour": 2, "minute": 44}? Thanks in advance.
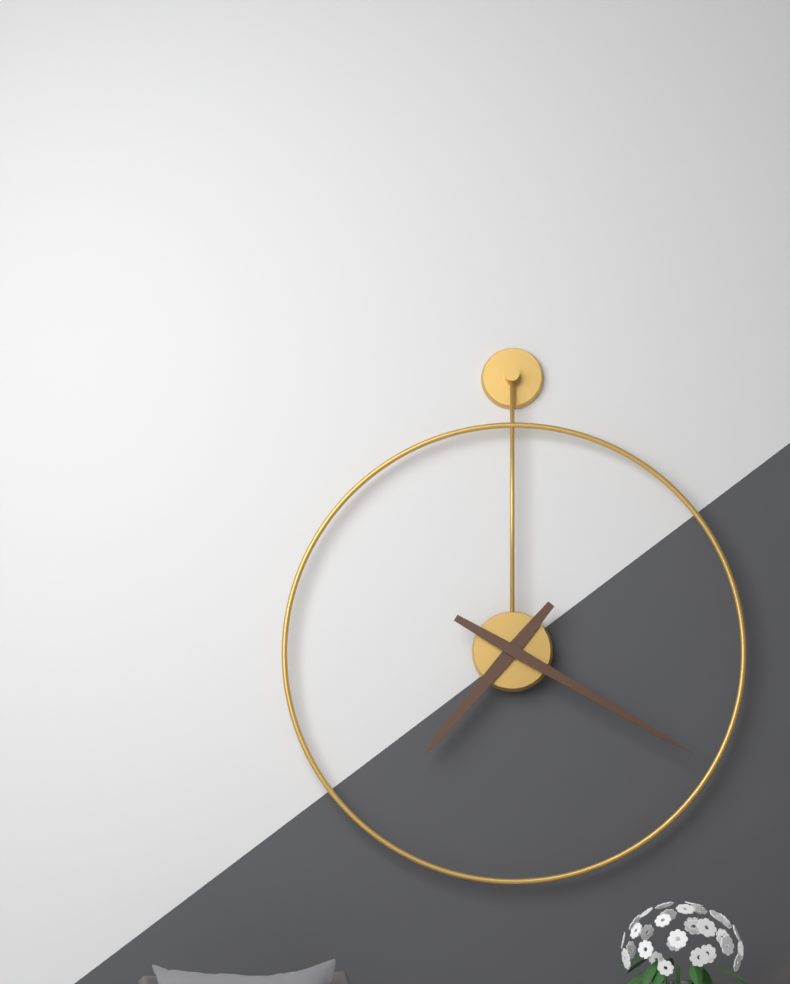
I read {"hour": 7, "minute": 20}
